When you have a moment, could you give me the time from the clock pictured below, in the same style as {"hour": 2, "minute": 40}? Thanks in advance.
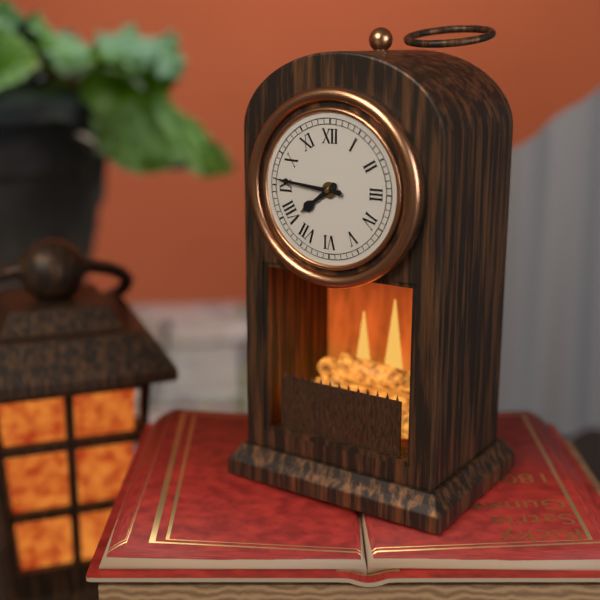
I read {"hour": 7, "minute": 46}
